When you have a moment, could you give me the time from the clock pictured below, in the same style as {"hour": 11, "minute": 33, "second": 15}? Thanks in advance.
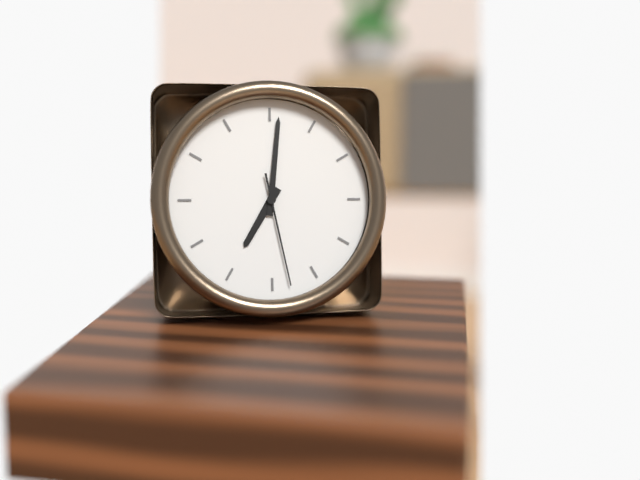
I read {"hour": 7, "minute": 1, "second": 28}
